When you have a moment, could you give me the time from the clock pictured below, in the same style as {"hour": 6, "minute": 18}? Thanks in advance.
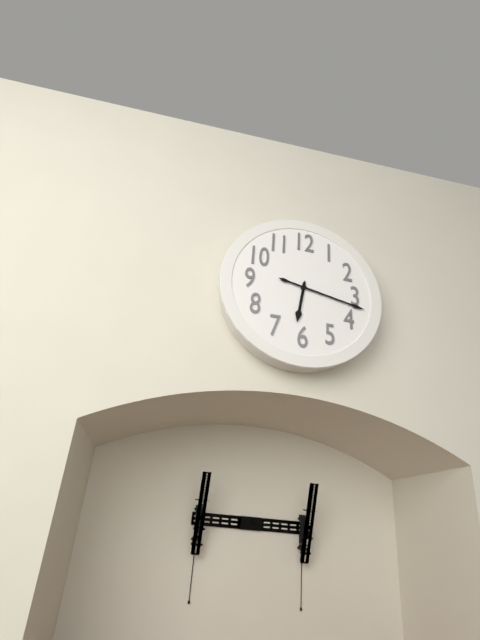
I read {"hour": 6, "minute": 17}
